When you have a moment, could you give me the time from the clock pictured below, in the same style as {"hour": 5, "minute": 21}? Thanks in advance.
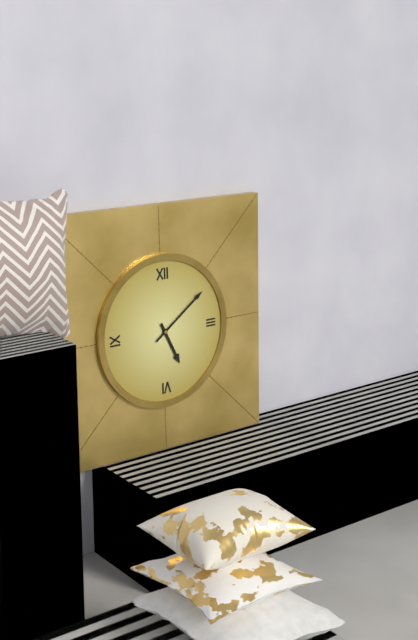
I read {"hour": 5, "minute": 9}
